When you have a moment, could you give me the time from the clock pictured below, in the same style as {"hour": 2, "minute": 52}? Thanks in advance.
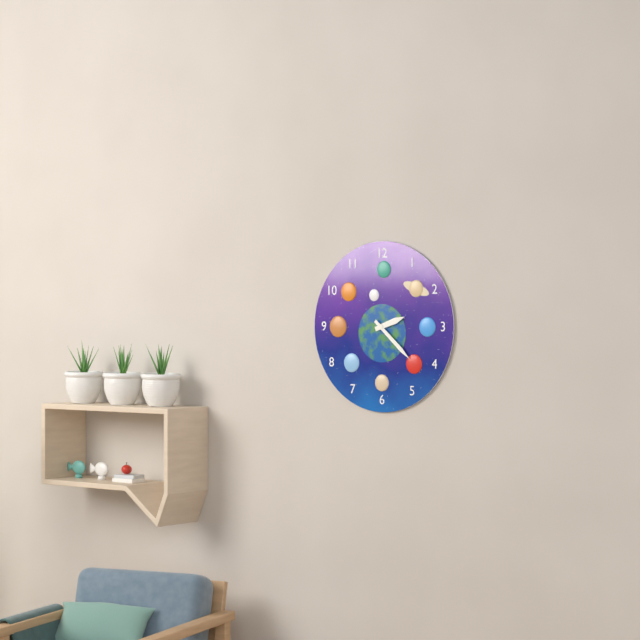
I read {"hour": 2, "minute": 22}
